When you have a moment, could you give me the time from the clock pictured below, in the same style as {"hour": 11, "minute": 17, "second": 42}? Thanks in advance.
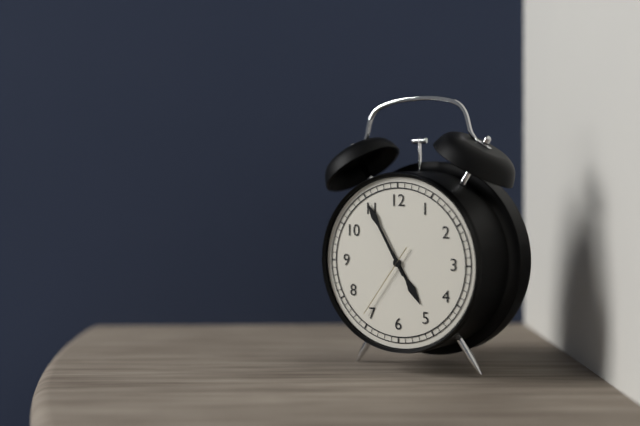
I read {"hour": 4, "minute": 55, "second": 36}
